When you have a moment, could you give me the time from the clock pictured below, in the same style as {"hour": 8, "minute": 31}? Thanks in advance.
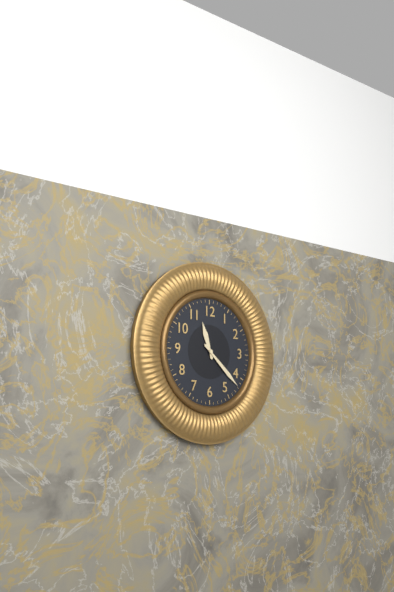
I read {"hour": 11, "minute": 22}
